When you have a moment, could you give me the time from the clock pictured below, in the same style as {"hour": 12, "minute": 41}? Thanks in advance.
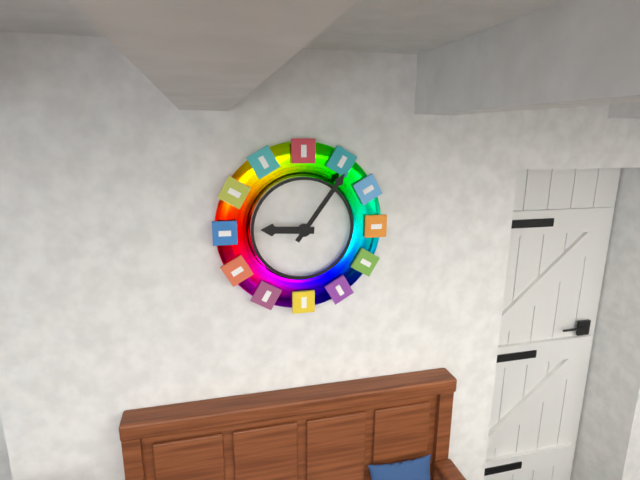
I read {"hour": 9, "minute": 6}
